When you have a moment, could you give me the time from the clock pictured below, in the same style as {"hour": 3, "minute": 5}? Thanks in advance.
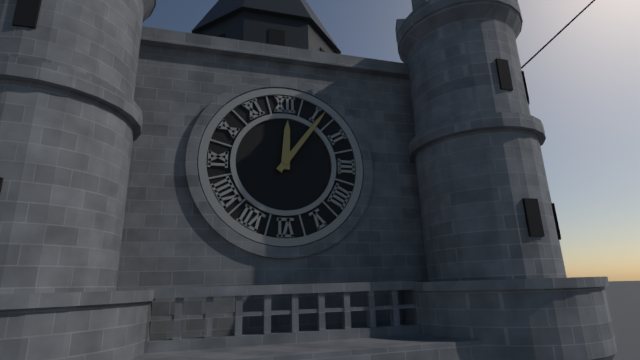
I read {"hour": 12, "minute": 6}
